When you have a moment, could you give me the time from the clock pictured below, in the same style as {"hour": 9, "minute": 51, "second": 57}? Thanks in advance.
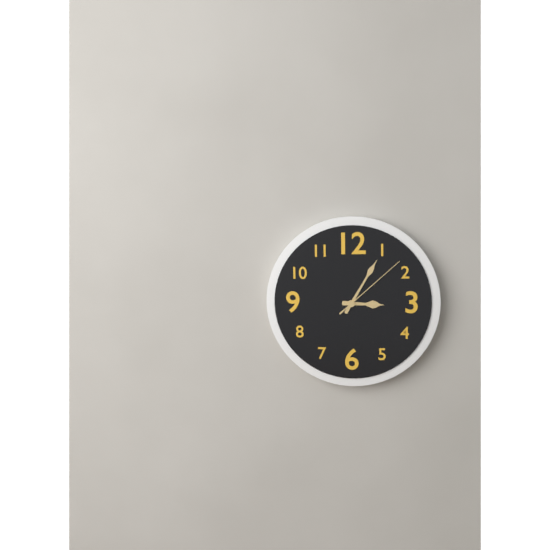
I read {"hour": 3, "minute": 5, "second": 8}
